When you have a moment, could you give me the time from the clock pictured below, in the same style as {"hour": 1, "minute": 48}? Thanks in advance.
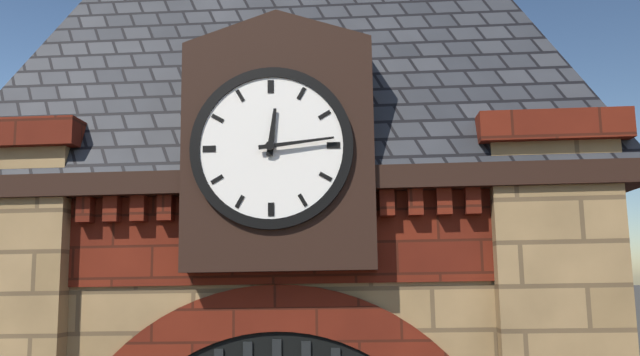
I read {"hour": 12, "minute": 14}
